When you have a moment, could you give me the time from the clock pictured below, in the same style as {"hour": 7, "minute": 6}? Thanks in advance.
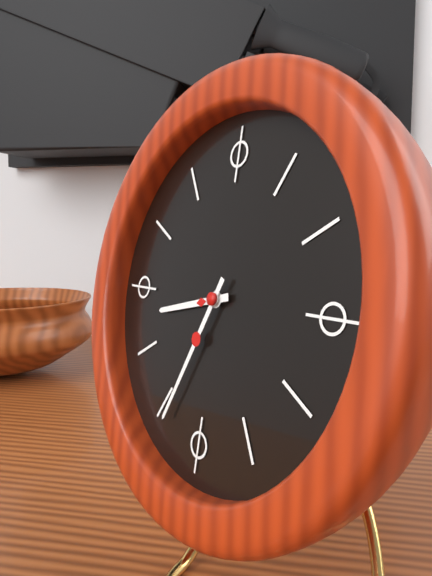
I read {"hour": 8, "minute": 34}
